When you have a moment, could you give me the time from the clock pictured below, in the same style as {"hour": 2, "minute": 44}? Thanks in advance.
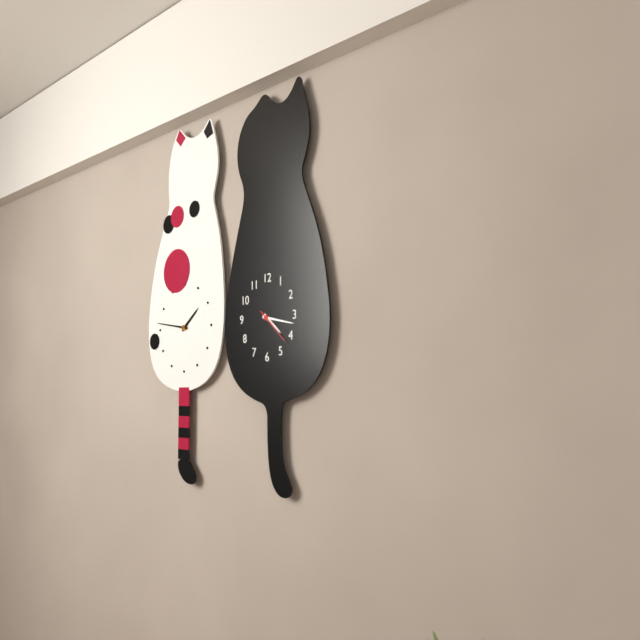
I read {"hour": 4, "minute": 17}
